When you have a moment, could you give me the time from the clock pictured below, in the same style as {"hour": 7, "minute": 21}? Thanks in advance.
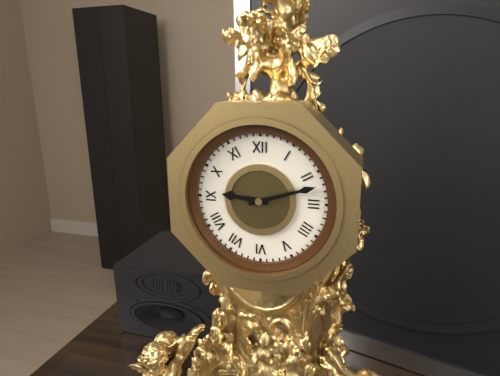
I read {"hour": 9, "minute": 12}
